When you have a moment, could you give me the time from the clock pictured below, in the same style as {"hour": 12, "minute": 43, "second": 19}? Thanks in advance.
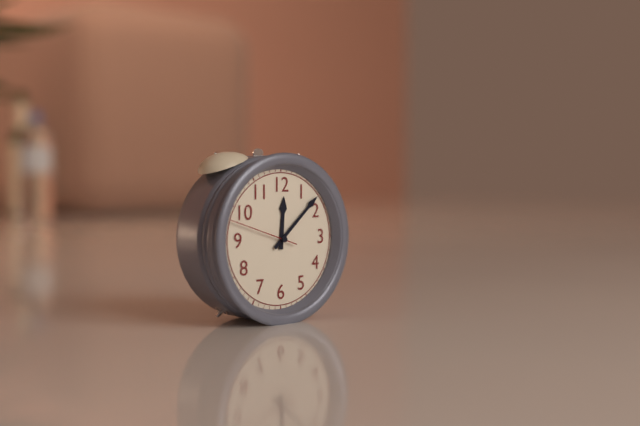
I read {"hour": 12, "minute": 8, "second": 48}
